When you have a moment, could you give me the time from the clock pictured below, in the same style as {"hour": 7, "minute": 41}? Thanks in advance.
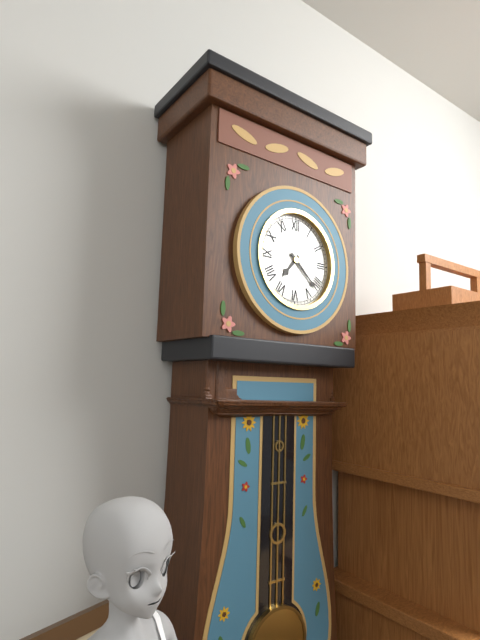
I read {"hour": 7, "minute": 22}
